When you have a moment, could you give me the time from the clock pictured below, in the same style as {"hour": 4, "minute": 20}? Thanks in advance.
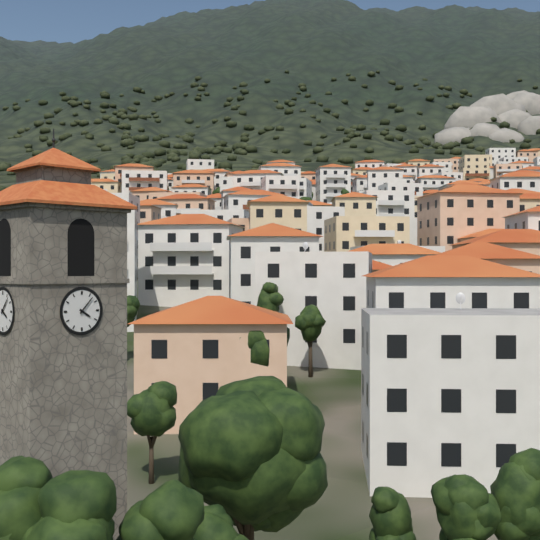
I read {"hour": 4, "minute": 7}
